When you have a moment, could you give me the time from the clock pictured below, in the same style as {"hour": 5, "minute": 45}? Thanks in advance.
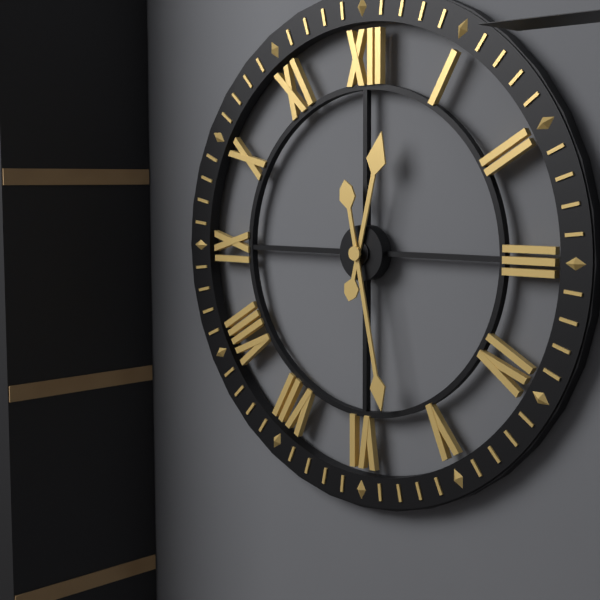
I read {"hour": 12, "minute": 28}
